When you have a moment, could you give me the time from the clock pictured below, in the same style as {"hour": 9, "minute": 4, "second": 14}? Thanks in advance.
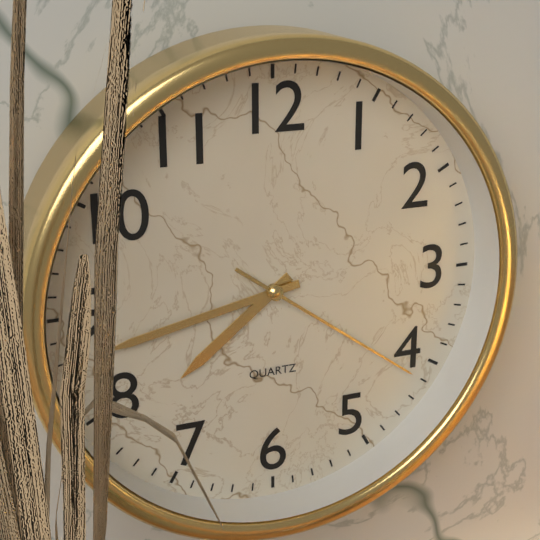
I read {"hour": 7, "minute": 43, "second": 21}
